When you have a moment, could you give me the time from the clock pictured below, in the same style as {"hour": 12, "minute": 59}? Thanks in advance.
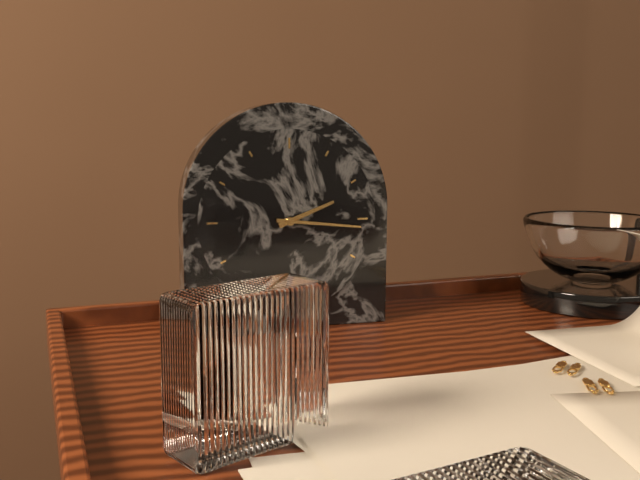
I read {"hour": 2, "minute": 16}
